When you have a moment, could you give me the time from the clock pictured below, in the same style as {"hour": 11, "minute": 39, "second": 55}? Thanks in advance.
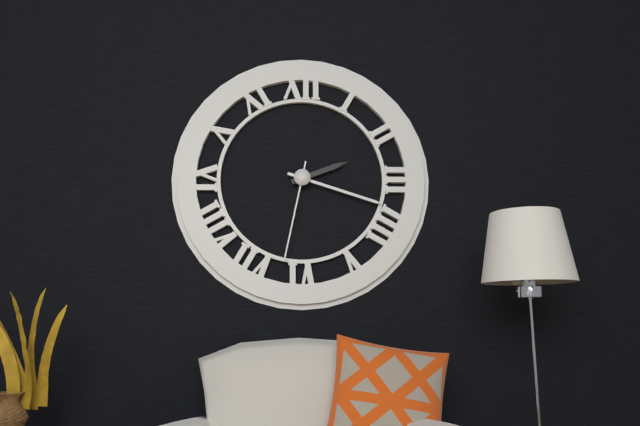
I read {"hour": 2, "minute": 18, "second": 32}
